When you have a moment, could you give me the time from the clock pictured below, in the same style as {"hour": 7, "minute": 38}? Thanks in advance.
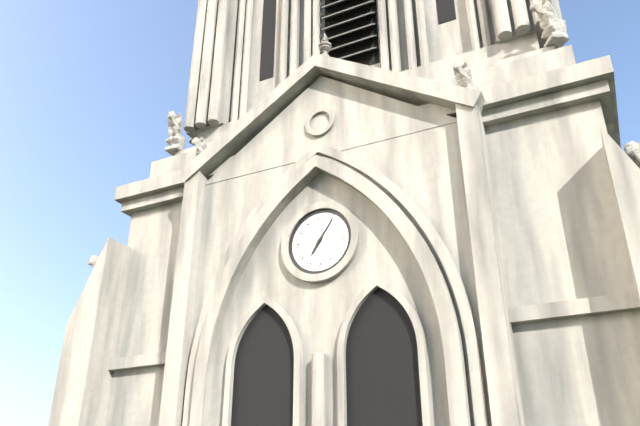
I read {"hour": 7, "minute": 6}
